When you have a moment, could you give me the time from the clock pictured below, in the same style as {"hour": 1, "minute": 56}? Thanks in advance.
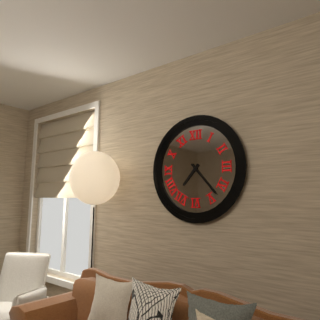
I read {"hour": 7, "minute": 23}
